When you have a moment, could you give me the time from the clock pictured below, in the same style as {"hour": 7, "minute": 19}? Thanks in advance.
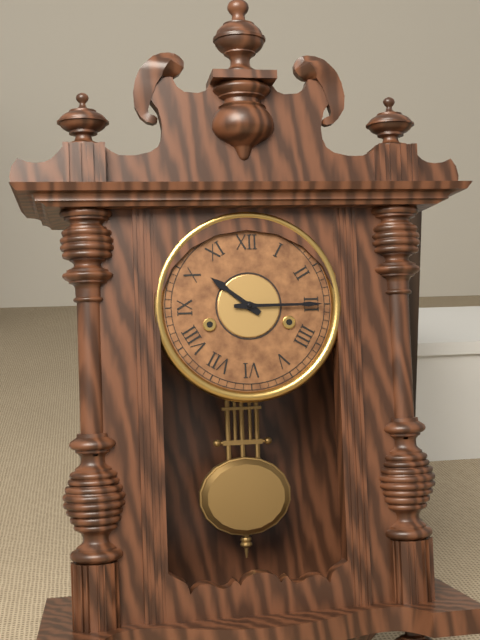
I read {"hour": 10, "minute": 15}
